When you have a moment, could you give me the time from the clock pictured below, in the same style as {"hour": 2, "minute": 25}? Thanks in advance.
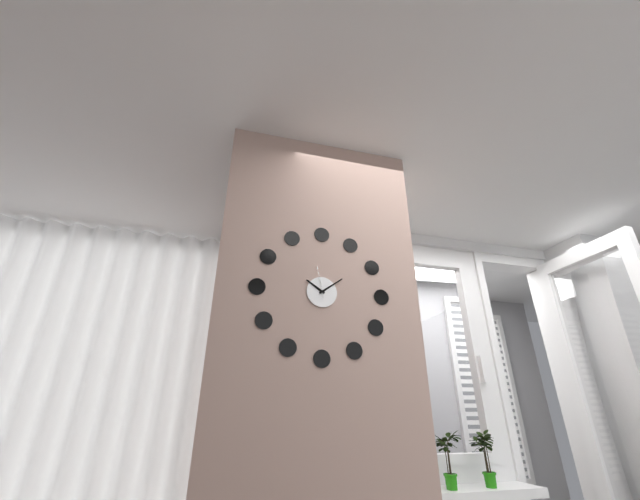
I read {"hour": 10, "minute": 9}
